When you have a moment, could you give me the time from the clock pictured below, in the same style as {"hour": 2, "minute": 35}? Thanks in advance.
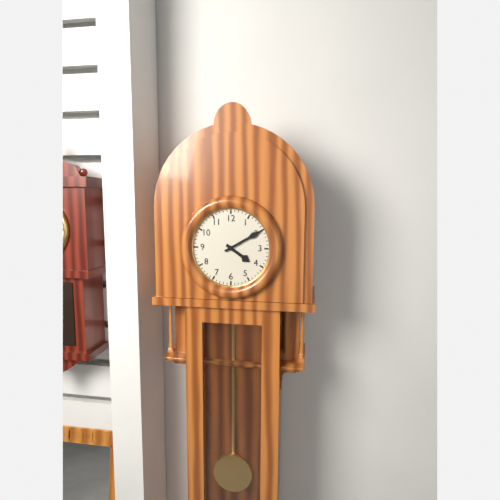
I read {"hour": 4, "minute": 10}
